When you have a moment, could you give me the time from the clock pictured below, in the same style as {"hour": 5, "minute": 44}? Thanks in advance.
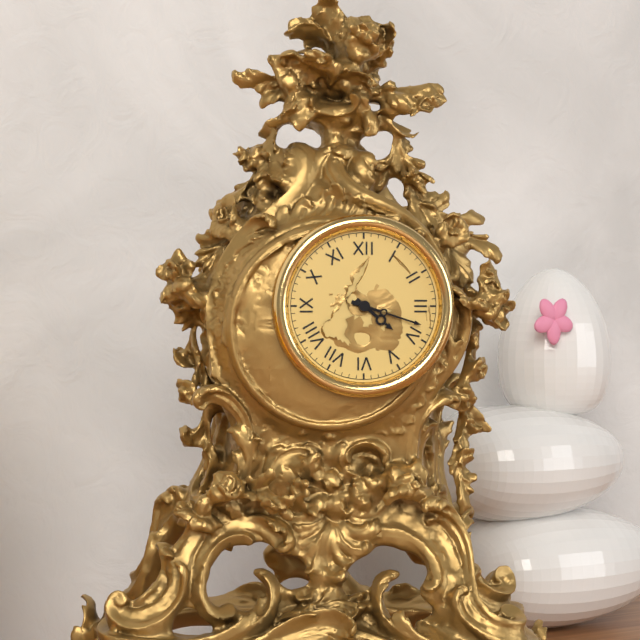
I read {"hour": 4, "minute": 18}
